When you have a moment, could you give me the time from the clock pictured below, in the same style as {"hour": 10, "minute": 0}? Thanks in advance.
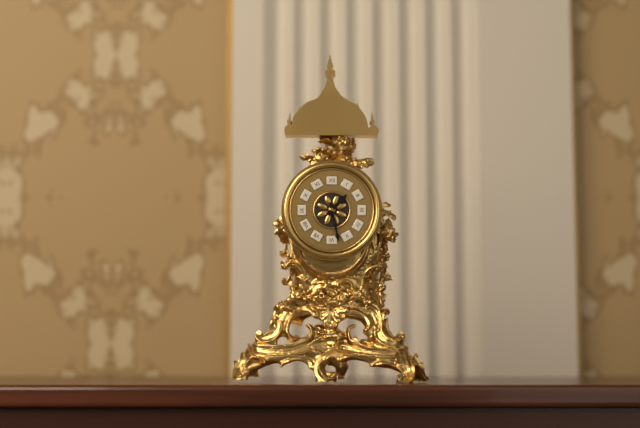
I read {"hour": 1, "minute": 28}
